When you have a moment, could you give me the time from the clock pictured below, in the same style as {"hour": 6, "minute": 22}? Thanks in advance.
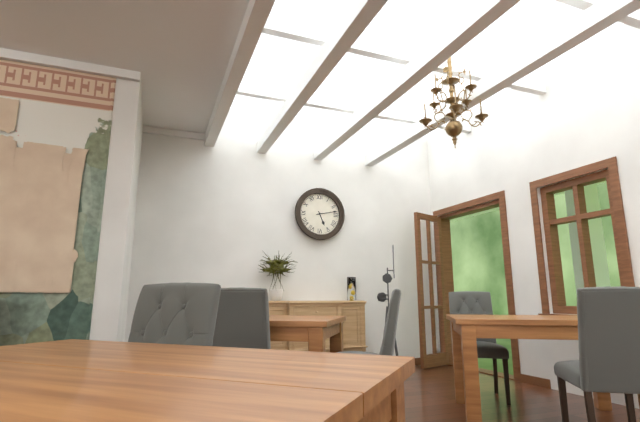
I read {"hour": 5, "minute": 13}
